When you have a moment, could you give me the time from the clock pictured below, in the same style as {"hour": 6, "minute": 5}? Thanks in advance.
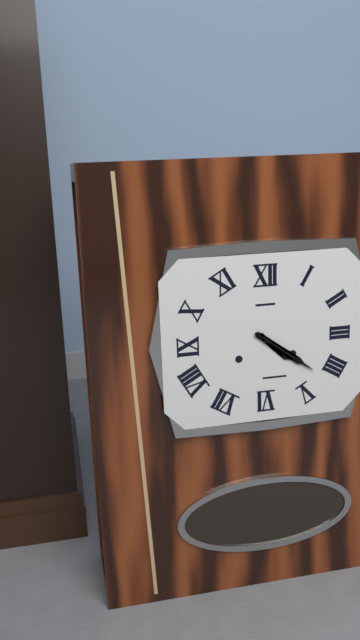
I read {"hour": 4, "minute": 21}
